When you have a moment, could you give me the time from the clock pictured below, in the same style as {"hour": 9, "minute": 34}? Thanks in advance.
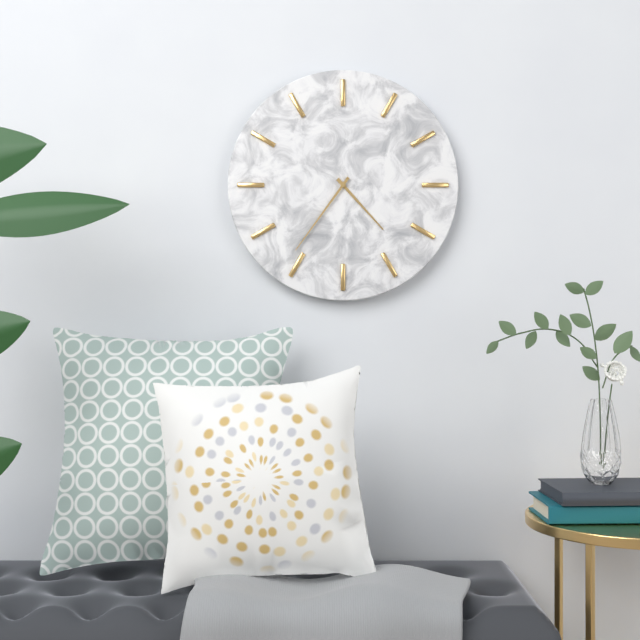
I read {"hour": 4, "minute": 36}
